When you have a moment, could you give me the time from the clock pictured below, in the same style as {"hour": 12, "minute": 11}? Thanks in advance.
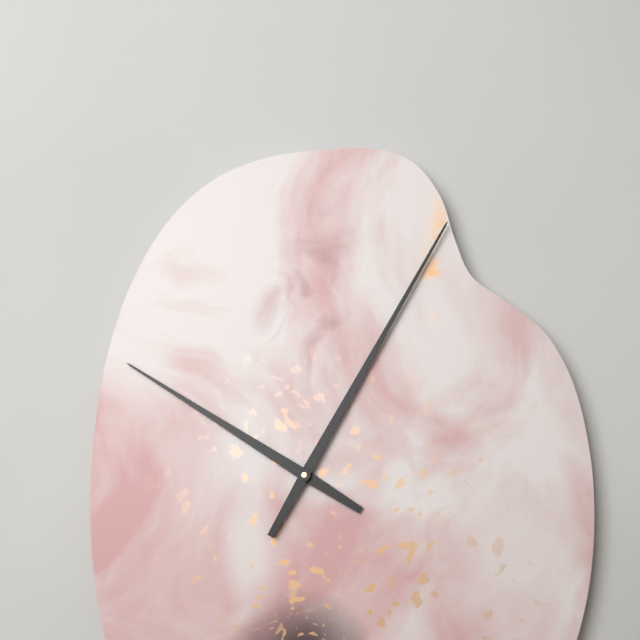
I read {"hour": 10, "minute": 5}
